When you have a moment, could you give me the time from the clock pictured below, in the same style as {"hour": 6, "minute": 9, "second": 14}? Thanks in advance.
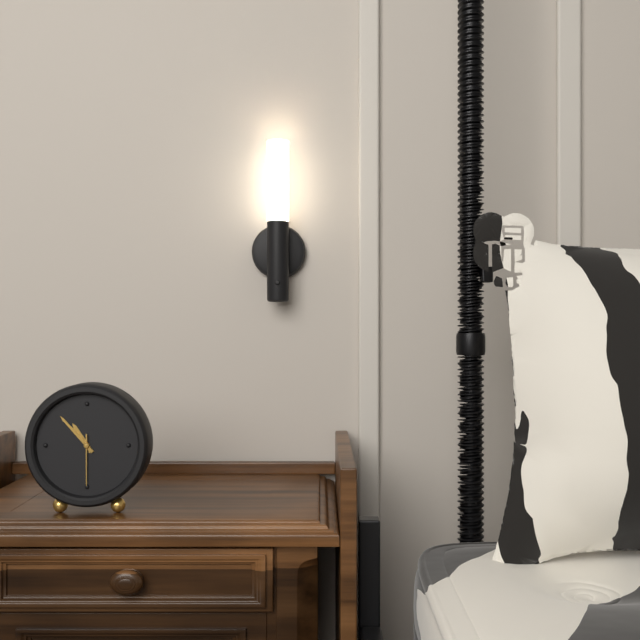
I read {"hour": 10, "minute": 53, "second": 30}
